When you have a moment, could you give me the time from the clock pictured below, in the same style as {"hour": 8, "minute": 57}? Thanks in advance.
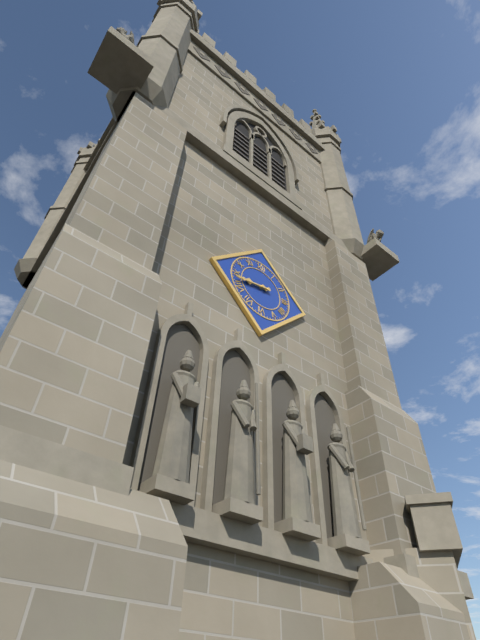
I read {"hour": 8, "minute": 43}
